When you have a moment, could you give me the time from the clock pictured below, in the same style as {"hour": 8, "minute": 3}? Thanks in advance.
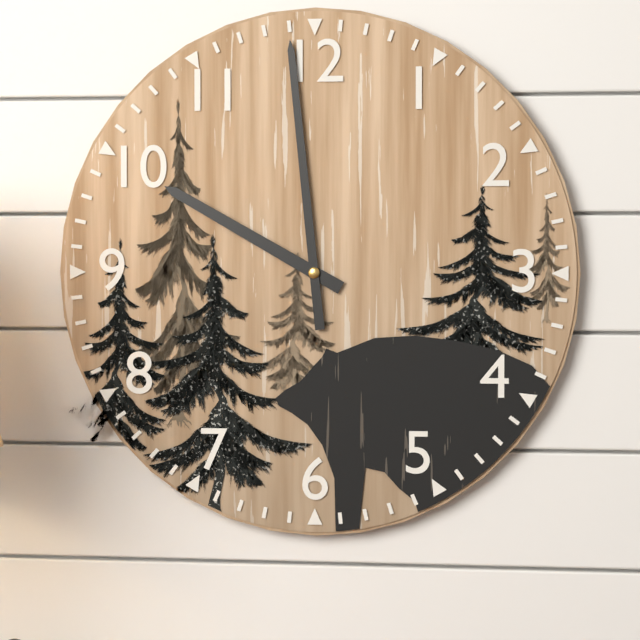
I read {"hour": 9, "minute": 59}
